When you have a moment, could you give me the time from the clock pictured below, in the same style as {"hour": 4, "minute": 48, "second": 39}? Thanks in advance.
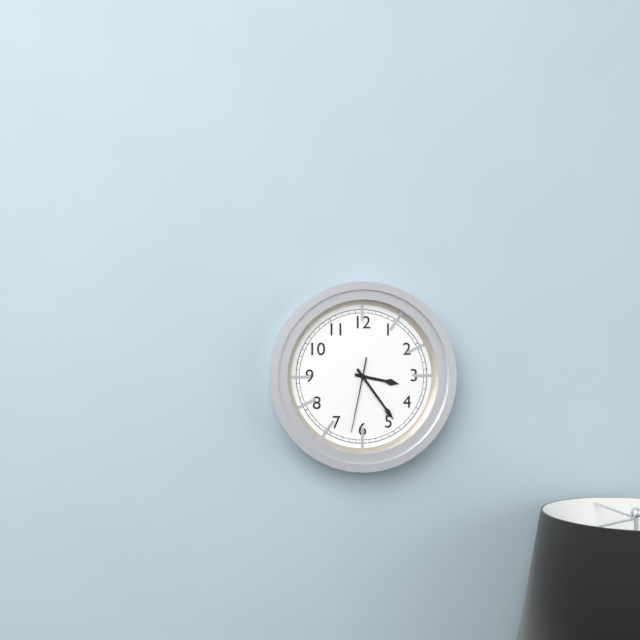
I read {"hour": 3, "minute": 24, "second": 32}
